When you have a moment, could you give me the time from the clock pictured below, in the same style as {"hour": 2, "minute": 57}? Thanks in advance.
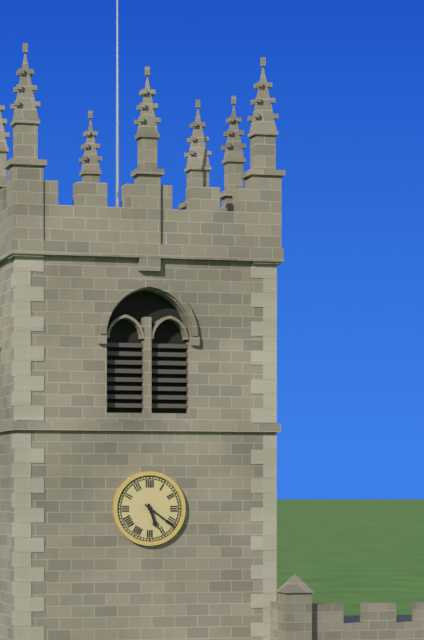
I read {"hour": 5, "minute": 21}
